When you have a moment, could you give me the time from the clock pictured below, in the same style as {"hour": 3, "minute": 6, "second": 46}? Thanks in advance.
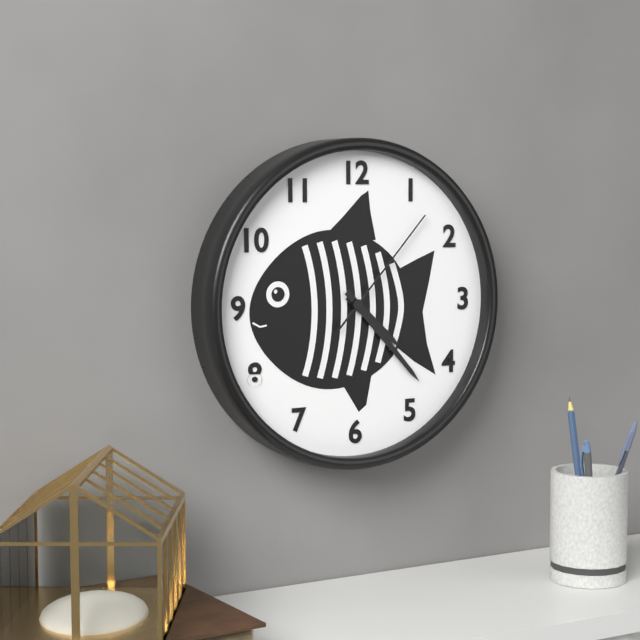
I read {"hour": 4, "minute": 23, "second": 7}
